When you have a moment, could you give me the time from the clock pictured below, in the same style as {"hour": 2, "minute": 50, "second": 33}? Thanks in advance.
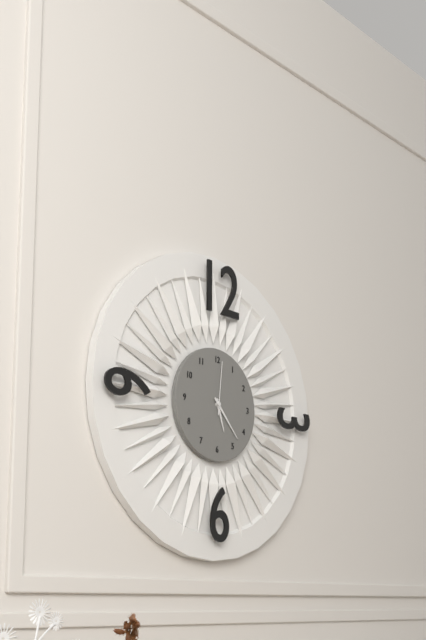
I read {"hour": 5, "minute": 23, "second": 1}
